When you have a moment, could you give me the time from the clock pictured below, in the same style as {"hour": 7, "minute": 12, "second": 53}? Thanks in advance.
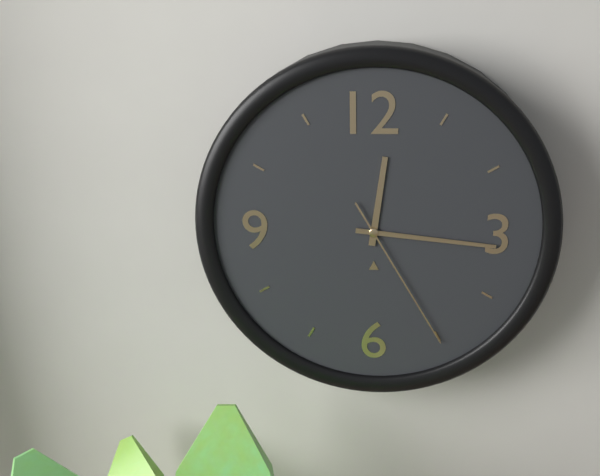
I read {"hour": 12, "minute": 16, "second": 25}
